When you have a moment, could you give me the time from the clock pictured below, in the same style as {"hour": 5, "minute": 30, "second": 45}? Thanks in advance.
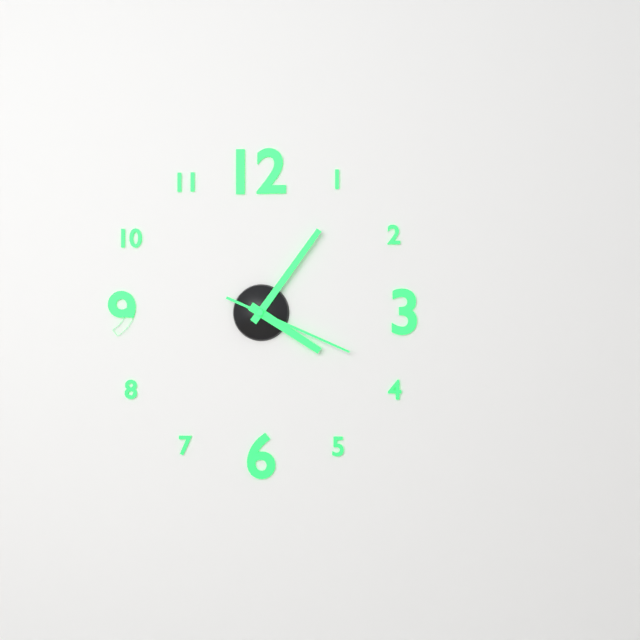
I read {"hour": 4, "minute": 6, "second": 19}
